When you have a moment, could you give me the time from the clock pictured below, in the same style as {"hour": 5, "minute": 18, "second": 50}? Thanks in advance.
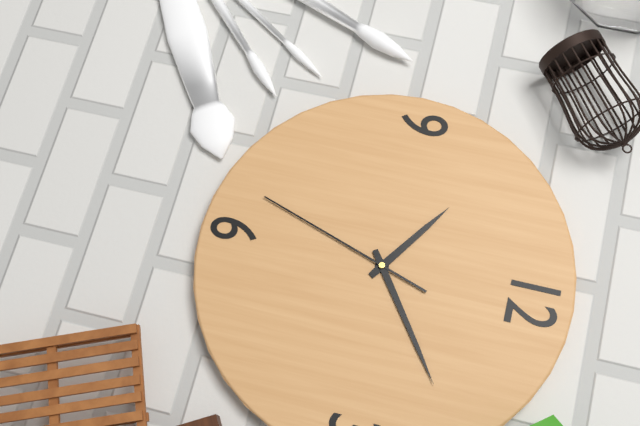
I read {"hour": 10, "minute": 9, "second": 33}
